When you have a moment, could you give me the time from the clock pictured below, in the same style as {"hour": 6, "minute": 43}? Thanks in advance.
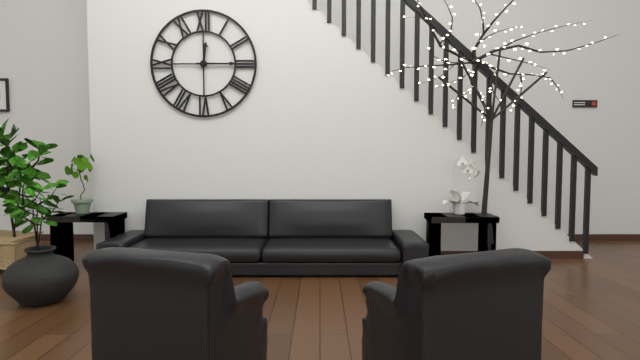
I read {"hour": 12, "minute": 15}
